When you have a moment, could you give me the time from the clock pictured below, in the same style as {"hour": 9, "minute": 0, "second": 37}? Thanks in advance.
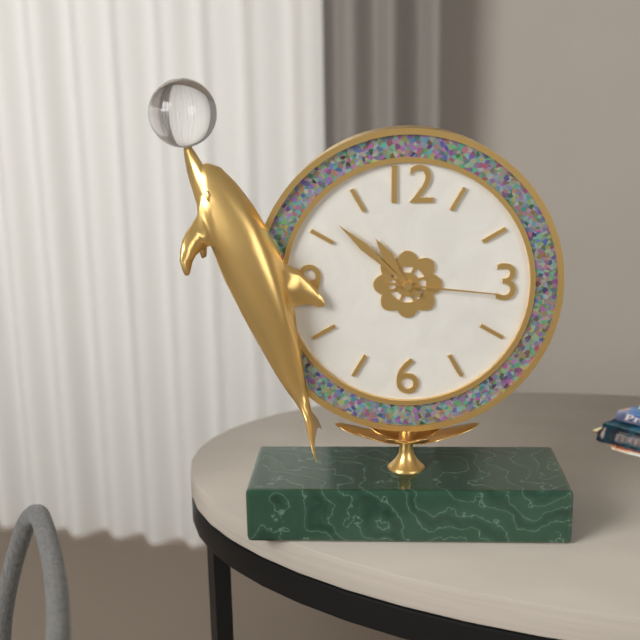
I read {"hour": 10, "minute": 52, "second": 16}
